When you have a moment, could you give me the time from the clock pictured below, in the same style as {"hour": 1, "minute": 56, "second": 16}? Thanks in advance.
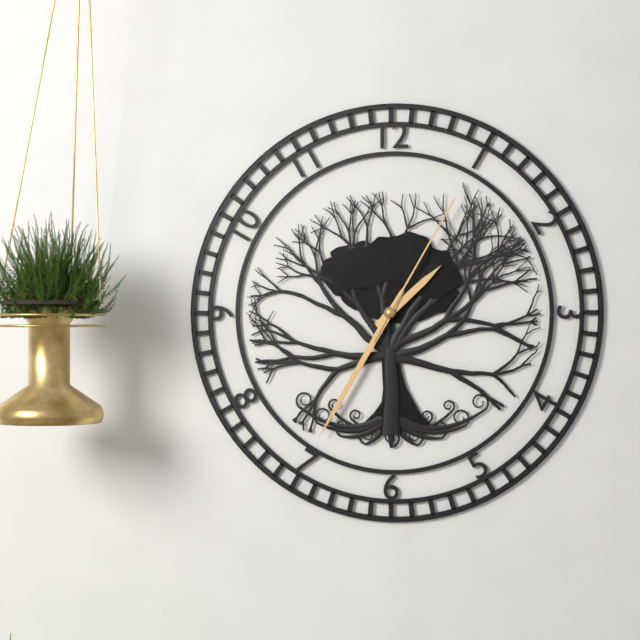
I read {"hour": 1, "minute": 35, "second": 5}
